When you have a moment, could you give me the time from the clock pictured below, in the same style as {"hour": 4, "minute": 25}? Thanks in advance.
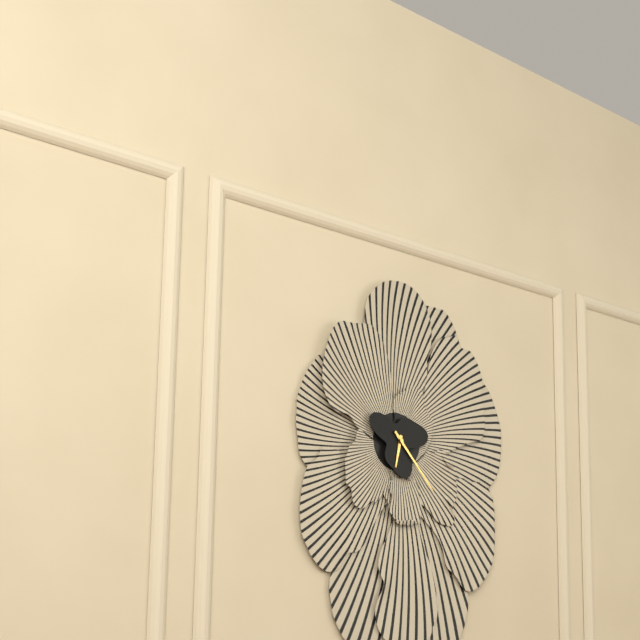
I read {"hour": 6, "minute": 23}
